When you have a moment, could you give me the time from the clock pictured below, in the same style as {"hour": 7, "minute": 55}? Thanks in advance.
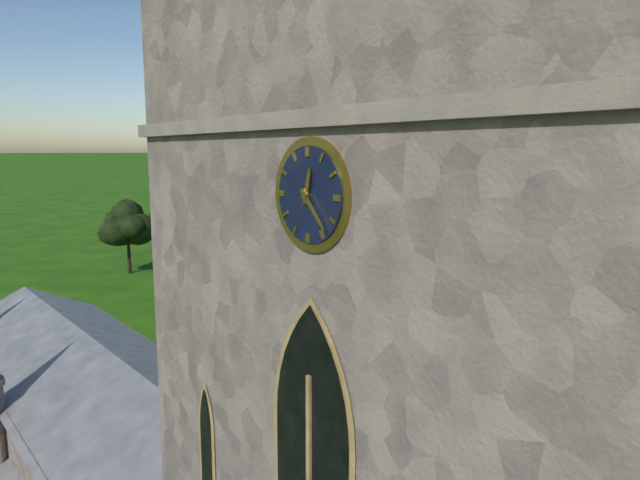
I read {"hour": 12, "minute": 23}
